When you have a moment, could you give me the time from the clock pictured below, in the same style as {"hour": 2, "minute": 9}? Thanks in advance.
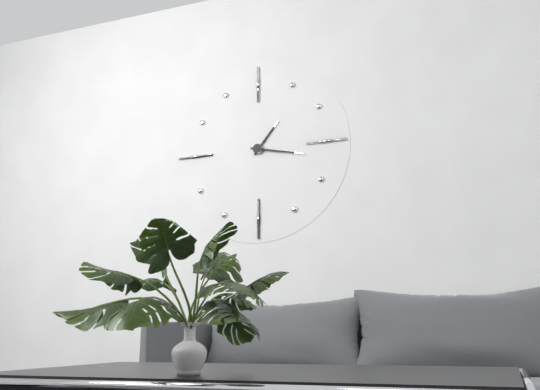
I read {"hour": 1, "minute": 17}
